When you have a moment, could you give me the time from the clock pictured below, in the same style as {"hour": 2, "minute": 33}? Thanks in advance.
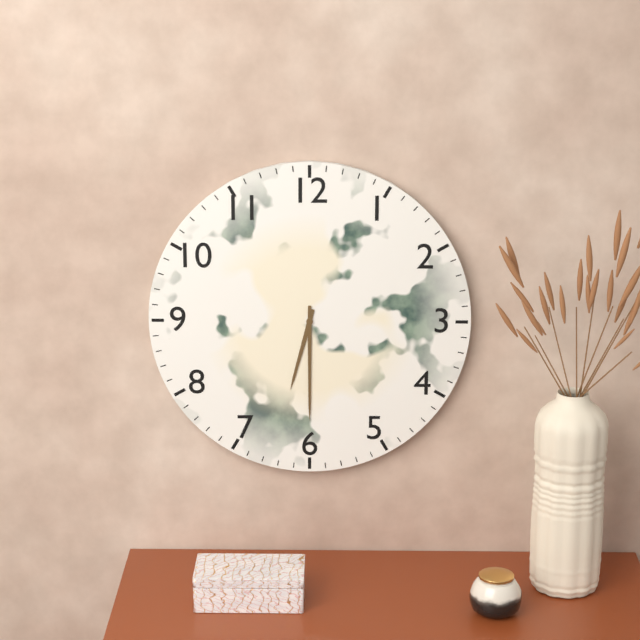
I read {"hour": 6, "minute": 30}
